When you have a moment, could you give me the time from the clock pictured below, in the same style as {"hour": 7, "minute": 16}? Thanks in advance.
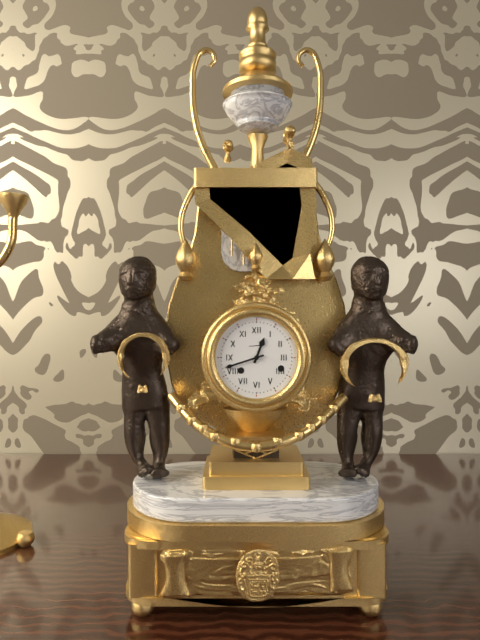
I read {"hour": 12, "minute": 42}
